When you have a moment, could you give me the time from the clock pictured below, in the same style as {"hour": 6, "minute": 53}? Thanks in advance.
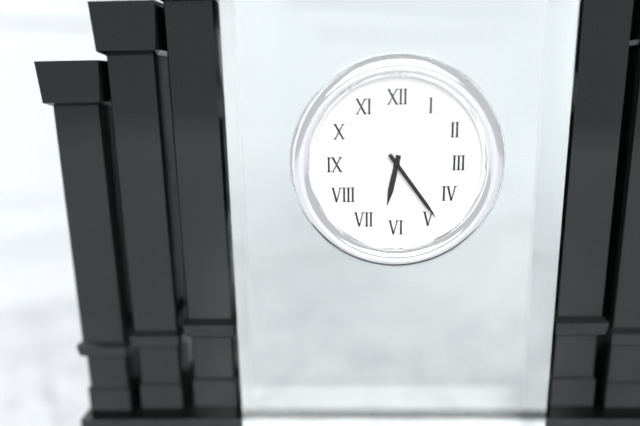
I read {"hour": 6, "minute": 24}
